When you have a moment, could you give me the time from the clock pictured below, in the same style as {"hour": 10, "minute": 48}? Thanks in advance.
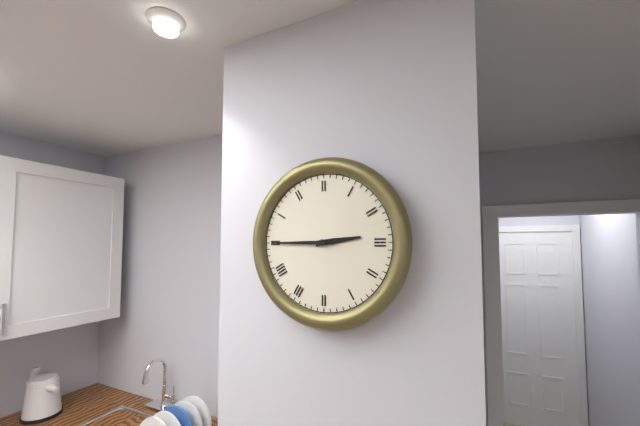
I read {"hour": 2, "minute": 45}
